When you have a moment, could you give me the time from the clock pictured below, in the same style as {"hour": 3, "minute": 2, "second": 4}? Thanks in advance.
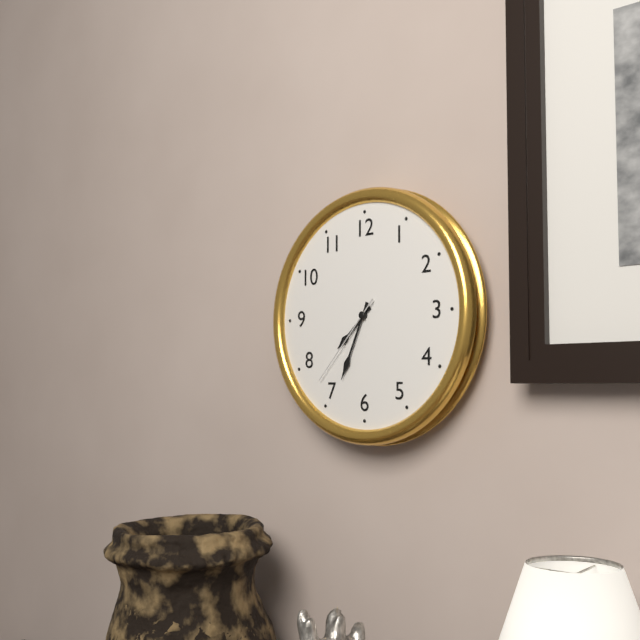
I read {"hour": 7, "minute": 34, "second": 37}
